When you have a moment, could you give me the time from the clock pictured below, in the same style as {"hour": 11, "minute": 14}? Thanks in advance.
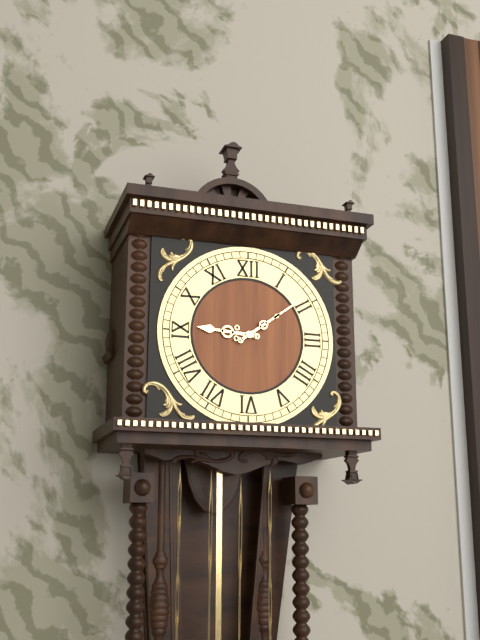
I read {"hour": 9, "minute": 9}
